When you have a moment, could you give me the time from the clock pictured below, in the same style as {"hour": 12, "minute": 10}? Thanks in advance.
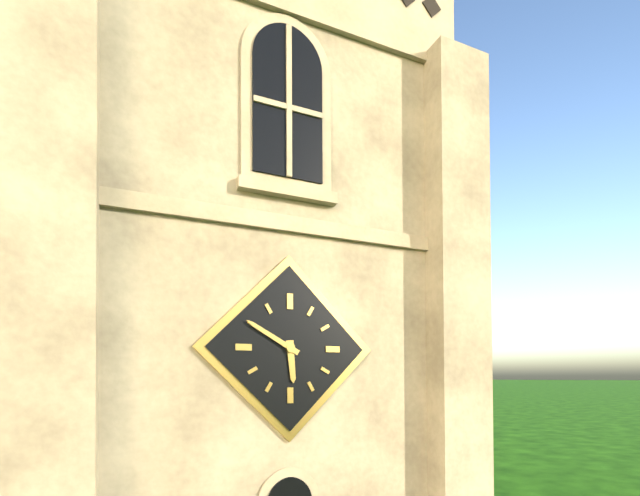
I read {"hour": 5, "minute": 50}
